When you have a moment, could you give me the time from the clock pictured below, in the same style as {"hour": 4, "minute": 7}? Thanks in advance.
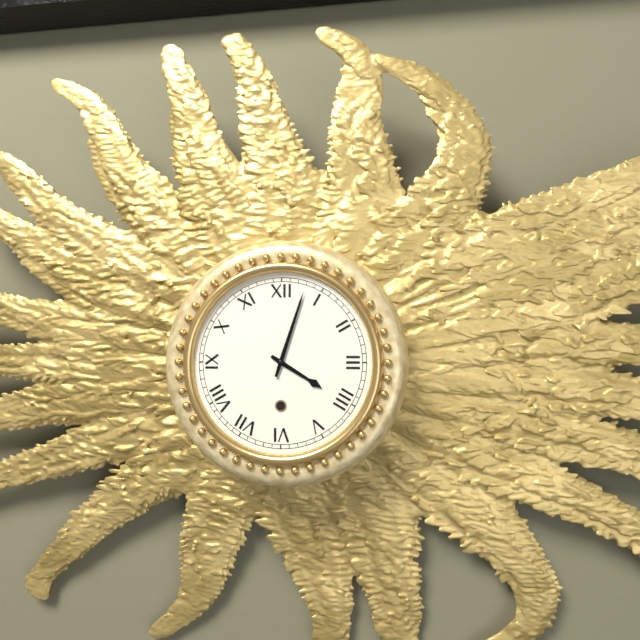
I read {"hour": 4, "minute": 3}
